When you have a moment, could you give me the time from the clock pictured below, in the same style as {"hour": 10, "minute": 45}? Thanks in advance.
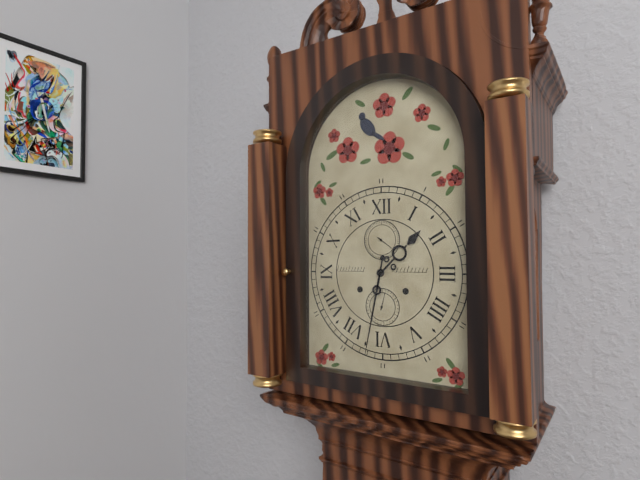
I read {"hour": 1, "minute": 32}
